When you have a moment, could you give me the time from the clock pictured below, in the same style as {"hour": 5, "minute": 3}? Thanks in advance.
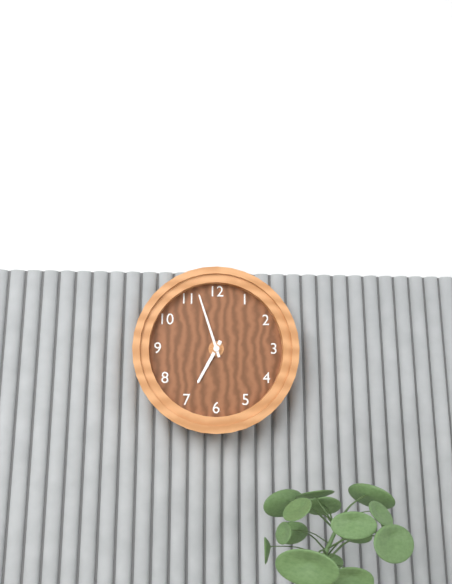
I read {"hour": 6, "minute": 57}
